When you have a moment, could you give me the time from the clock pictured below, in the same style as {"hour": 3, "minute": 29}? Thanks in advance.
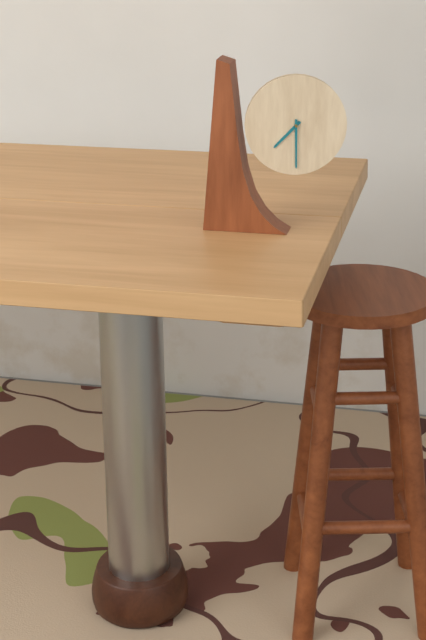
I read {"hour": 7, "minute": 30}
